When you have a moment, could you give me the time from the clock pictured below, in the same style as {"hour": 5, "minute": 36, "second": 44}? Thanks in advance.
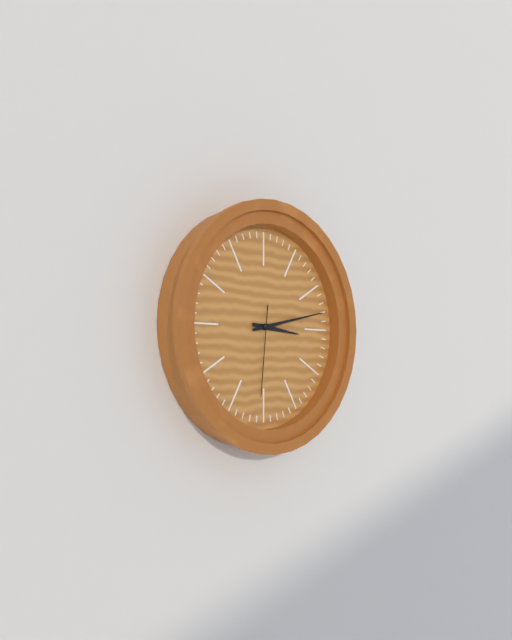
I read {"hour": 3, "minute": 13, "second": 31}
